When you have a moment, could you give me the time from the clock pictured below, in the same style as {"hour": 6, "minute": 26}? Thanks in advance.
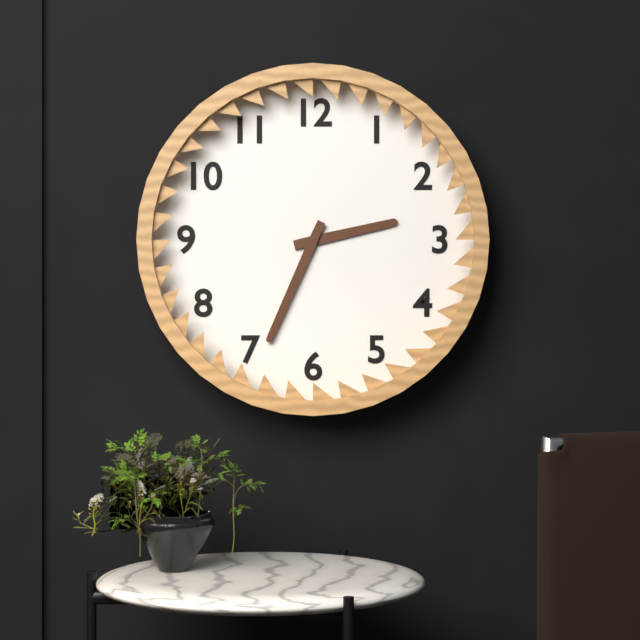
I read {"hour": 2, "minute": 34}
